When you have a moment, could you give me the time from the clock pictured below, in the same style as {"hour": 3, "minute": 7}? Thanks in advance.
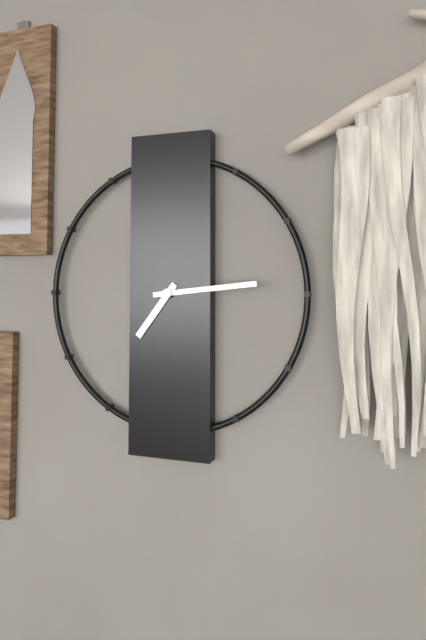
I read {"hour": 7, "minute": 14}
